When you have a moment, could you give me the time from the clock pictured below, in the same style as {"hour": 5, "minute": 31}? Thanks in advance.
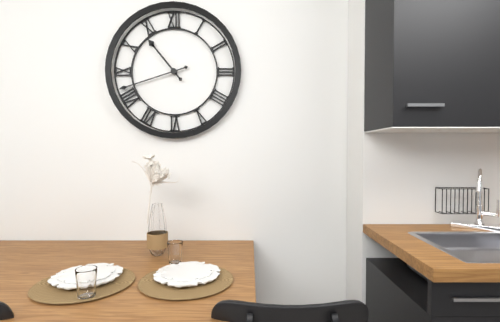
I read {"hour": 10, "minute": 42}
